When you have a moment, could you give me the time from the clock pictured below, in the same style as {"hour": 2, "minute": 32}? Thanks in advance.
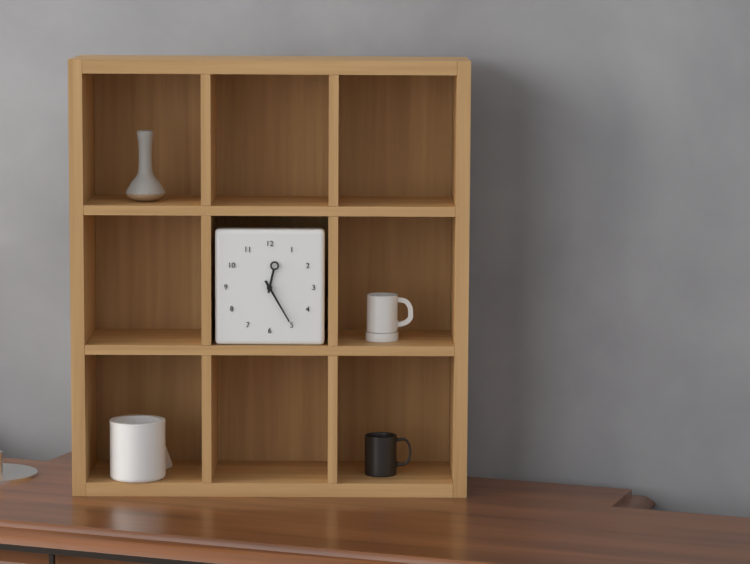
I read {"hour": 12, "minute": 25}
